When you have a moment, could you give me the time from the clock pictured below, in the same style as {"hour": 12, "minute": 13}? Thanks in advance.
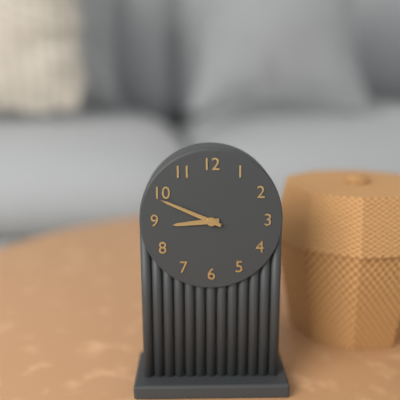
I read {"hour": 8, "minute": 49}
